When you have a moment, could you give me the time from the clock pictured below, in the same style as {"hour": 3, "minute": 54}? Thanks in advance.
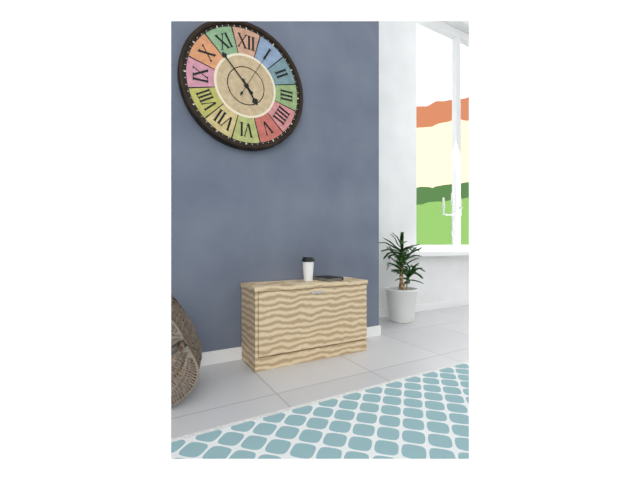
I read {"hour": 4, "minute": 53}
